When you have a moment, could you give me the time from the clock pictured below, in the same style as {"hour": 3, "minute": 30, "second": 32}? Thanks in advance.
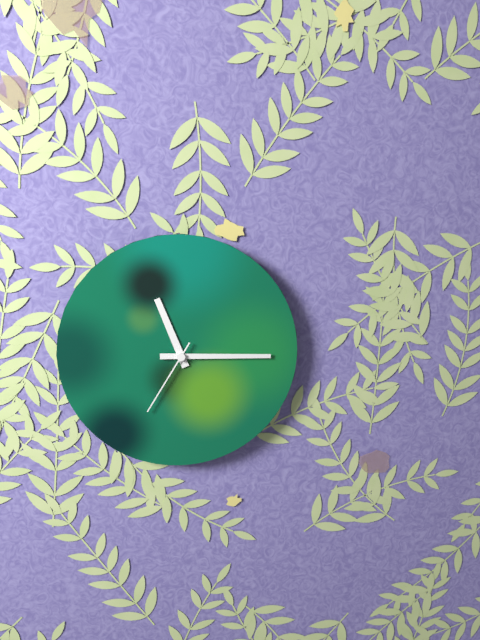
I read {"hour": 11, "minute": 15, "second": 35}
